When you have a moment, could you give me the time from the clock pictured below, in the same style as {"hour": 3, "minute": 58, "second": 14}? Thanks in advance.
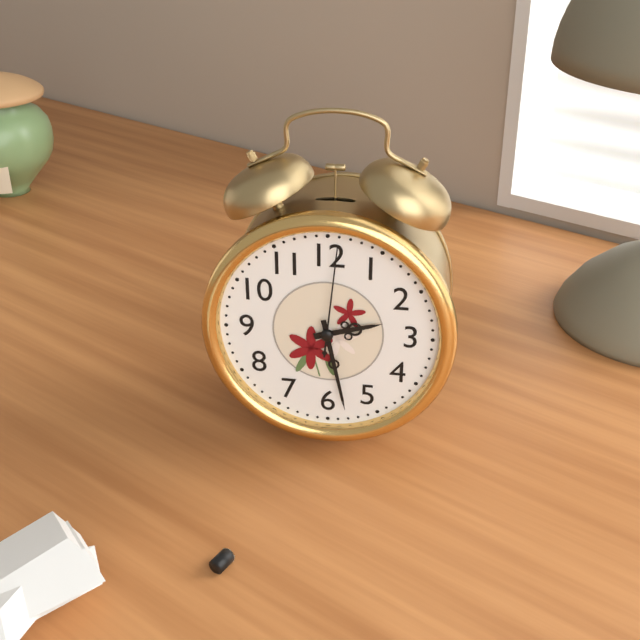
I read {"hour": 2, "minute": 28, "second": 1}
